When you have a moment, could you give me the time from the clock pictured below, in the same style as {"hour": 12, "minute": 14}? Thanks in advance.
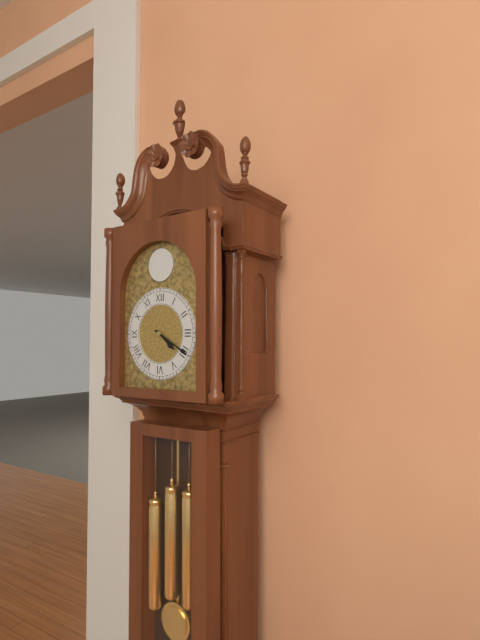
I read {"hour": 4, "minute": 20}
